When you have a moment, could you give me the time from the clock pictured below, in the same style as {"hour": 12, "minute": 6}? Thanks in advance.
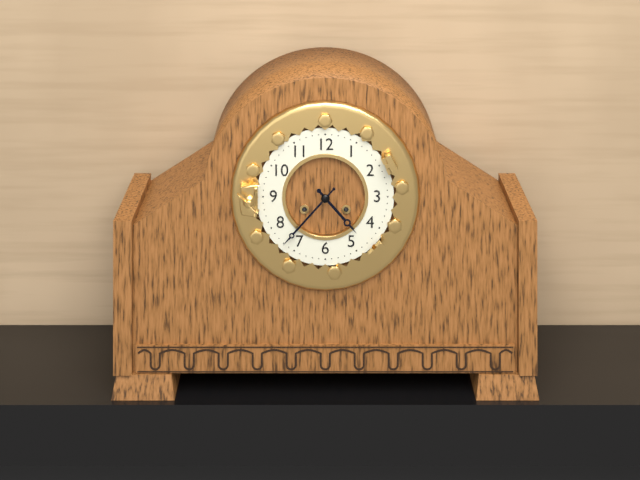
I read {"hour": 4, "minute": 37}
